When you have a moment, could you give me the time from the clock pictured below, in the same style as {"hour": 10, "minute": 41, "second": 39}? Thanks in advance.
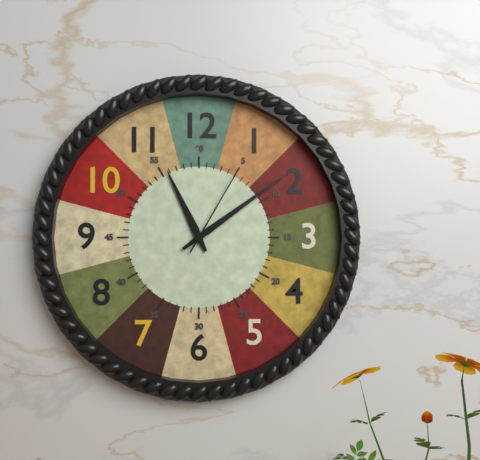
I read {"hour": 11, "minute": 9, "second": 5}
